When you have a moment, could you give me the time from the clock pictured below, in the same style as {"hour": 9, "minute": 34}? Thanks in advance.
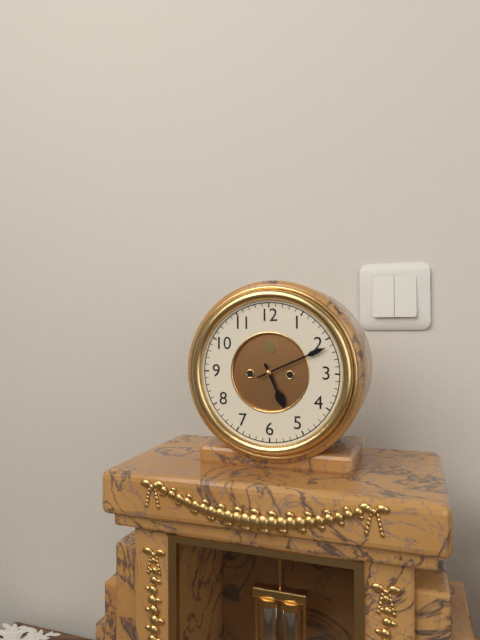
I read {"hour": 5, "minute": 11}
